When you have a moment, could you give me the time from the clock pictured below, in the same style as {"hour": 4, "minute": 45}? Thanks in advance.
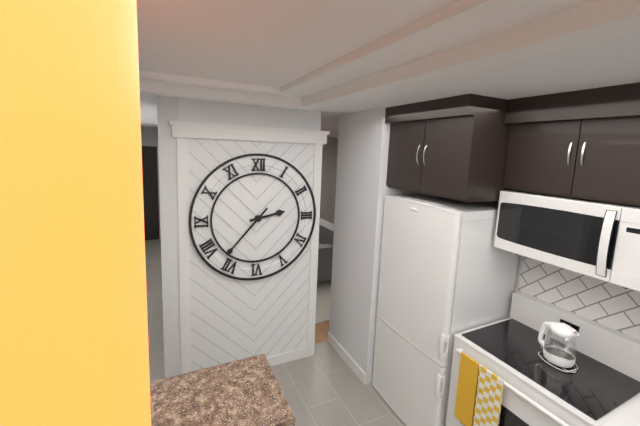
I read {"hour": 2, "minute": 37}
